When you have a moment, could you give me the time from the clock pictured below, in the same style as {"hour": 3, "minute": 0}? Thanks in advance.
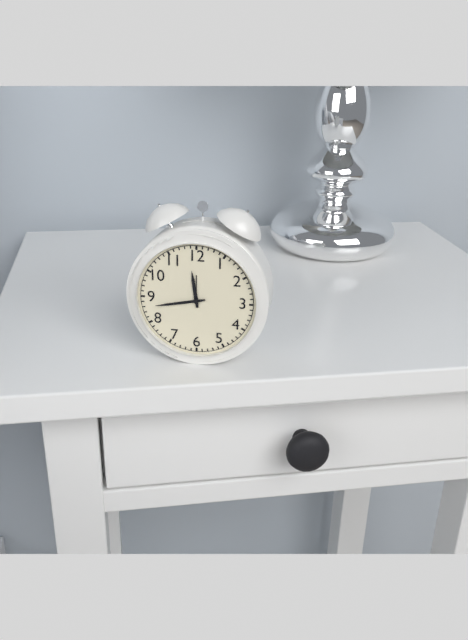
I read {"hour": 11, "minute": 43}
